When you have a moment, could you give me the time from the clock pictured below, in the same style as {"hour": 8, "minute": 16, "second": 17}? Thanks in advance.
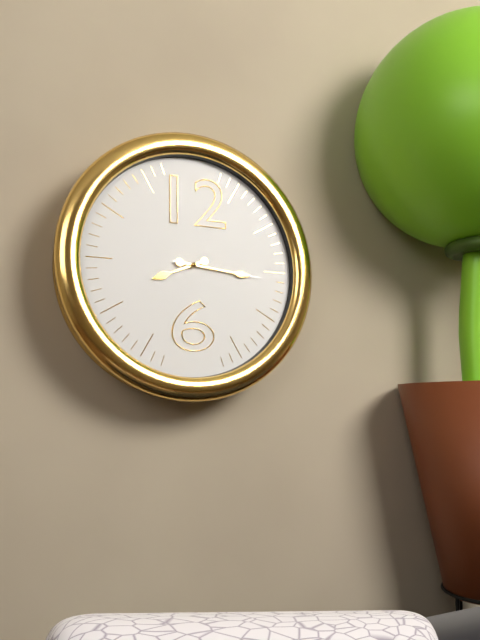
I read {"hour": 8, "minute": 16, "second": 16}
